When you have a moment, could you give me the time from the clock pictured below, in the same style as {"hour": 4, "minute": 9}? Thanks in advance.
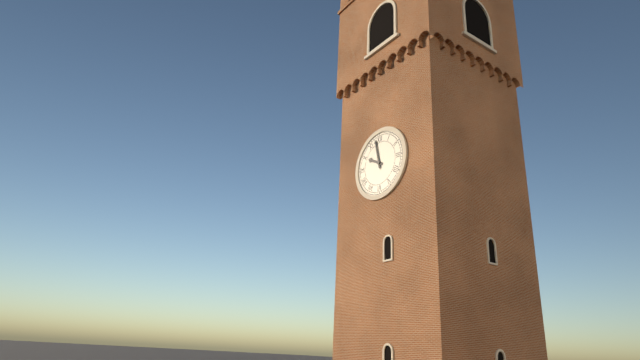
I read {"hour": 9, "minute": 58}
